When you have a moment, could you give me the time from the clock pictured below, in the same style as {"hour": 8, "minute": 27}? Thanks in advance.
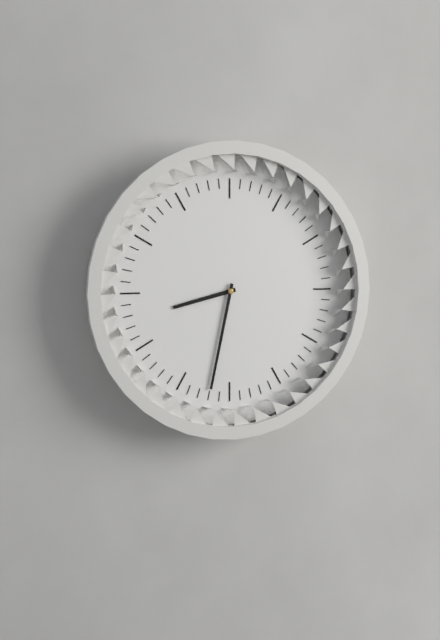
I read {"hour": 8, "minute": 32}
